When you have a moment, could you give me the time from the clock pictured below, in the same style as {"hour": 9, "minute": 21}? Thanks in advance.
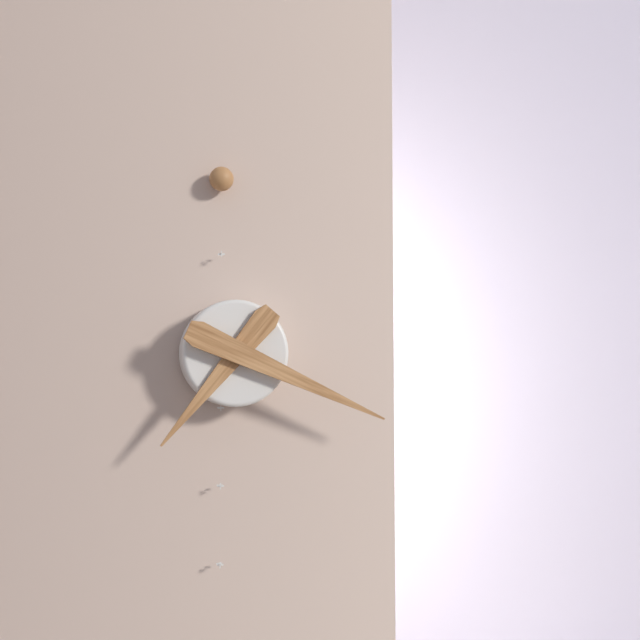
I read {"hour": 7, "minute": 19}
